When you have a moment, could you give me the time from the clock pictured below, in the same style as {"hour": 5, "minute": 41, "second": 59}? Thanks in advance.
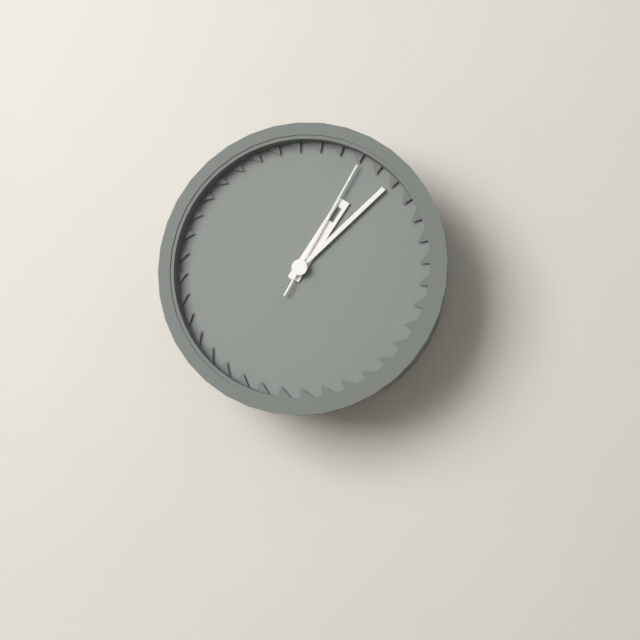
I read {"hour": 1, "minute": 8, "second": 5}
